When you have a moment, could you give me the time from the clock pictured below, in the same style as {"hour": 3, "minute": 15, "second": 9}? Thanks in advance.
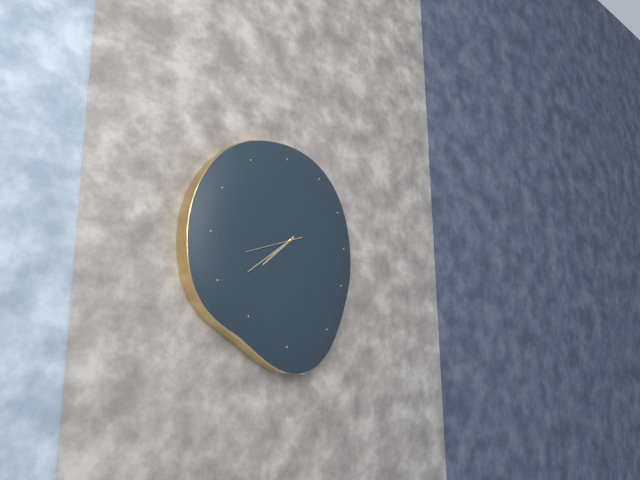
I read {"hour": 7, "minute": 39, "second": 42}
